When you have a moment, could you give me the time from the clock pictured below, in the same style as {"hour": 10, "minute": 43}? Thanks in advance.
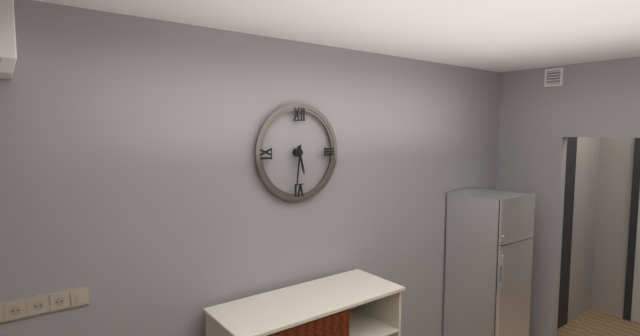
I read {"hour": 5, "minute": 31}
